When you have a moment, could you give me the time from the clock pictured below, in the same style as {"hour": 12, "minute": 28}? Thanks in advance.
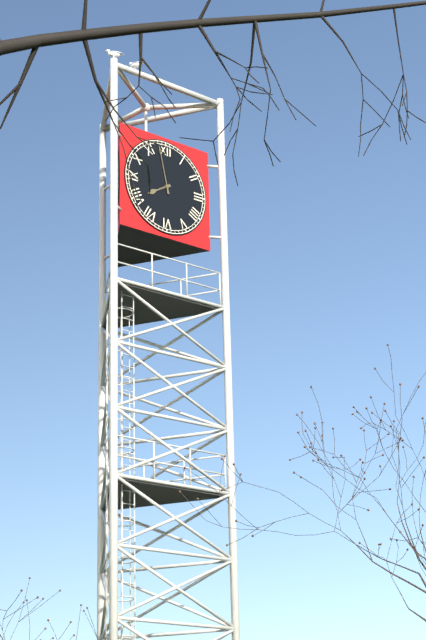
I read {"hour": 7, "minute": 58}
